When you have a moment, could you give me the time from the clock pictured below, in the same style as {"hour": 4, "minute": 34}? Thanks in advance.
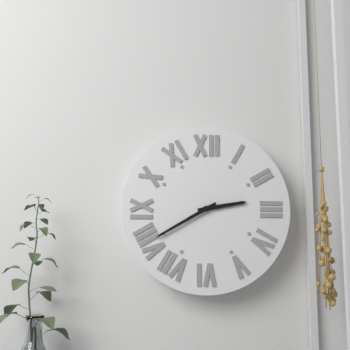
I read {"hour": 2, "minute": 40}
